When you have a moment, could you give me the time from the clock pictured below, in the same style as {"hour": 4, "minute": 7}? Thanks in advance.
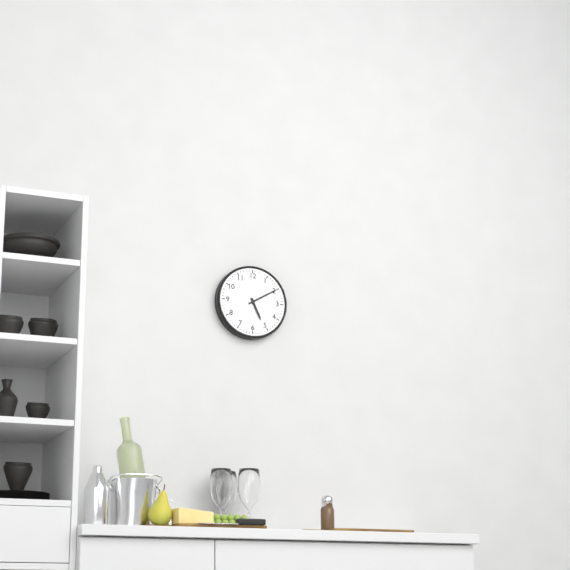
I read {"hour": 5, "minute": 10}
